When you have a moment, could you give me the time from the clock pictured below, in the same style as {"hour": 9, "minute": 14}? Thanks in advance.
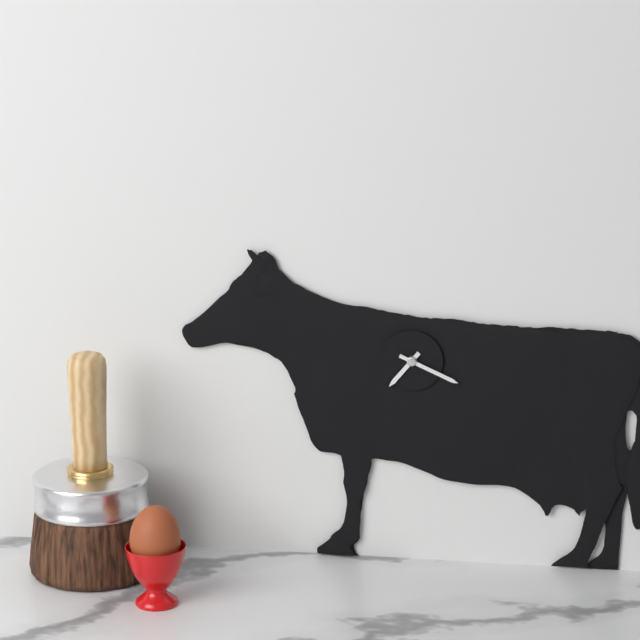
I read {"hour": 7, "minute": 19}
